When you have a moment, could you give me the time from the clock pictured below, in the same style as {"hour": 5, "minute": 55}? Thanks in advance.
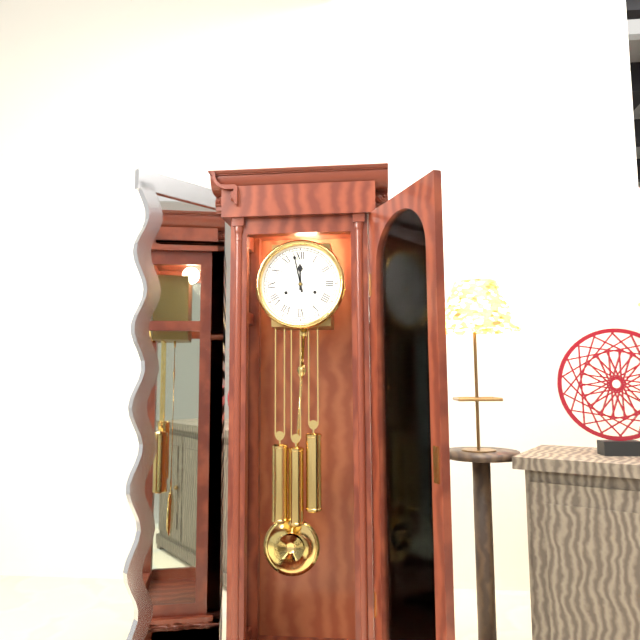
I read {"hour": 11, "minute": 58}
